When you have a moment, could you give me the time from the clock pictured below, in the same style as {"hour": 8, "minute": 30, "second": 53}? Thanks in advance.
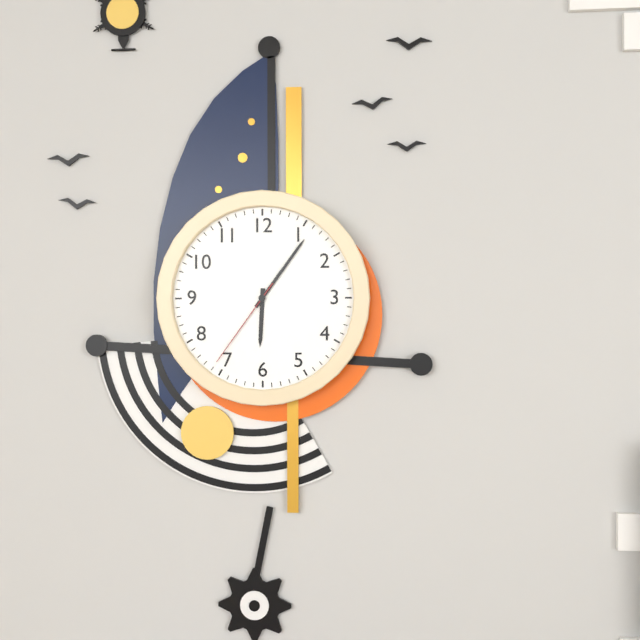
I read {"hour": 6, "minute": 6, "second": 36}
